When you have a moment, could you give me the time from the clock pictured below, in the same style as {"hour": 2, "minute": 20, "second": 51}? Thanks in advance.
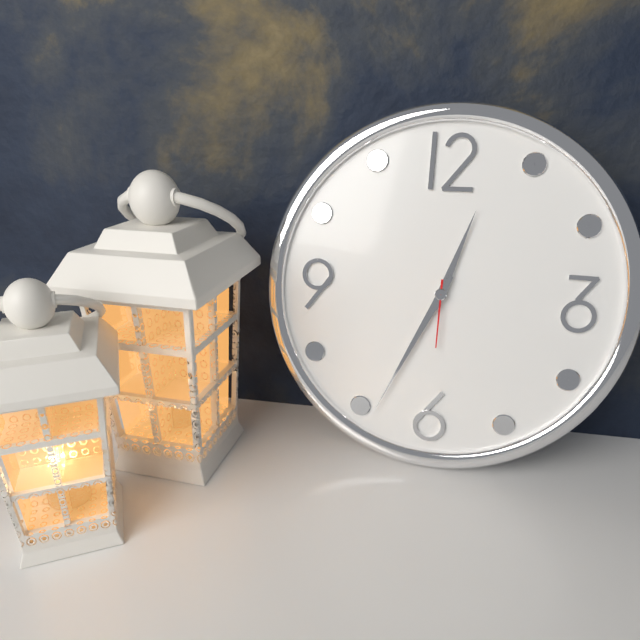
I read {"hour": 12, "minute": 34, "second": 30}
